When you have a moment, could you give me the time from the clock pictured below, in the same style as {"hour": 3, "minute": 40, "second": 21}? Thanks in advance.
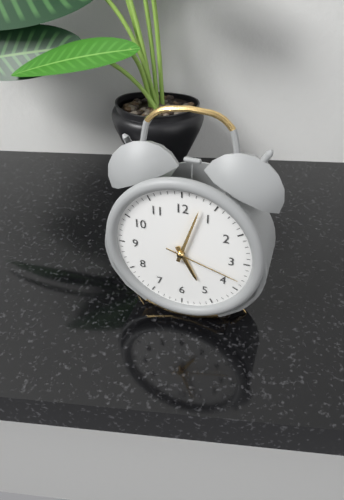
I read {"hour": 5, "minute": 3, "second": 18}
